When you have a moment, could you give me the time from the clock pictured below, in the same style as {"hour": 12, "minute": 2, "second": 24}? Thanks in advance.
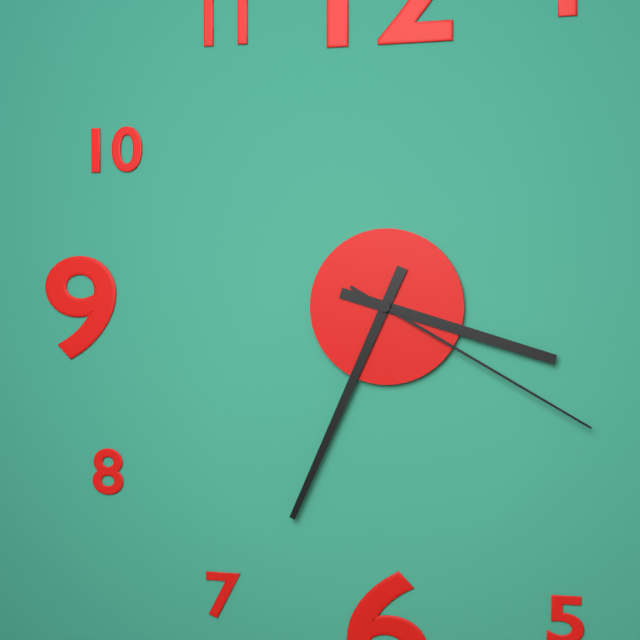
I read {"hour": 3, "minute": 34, "second": 20}
